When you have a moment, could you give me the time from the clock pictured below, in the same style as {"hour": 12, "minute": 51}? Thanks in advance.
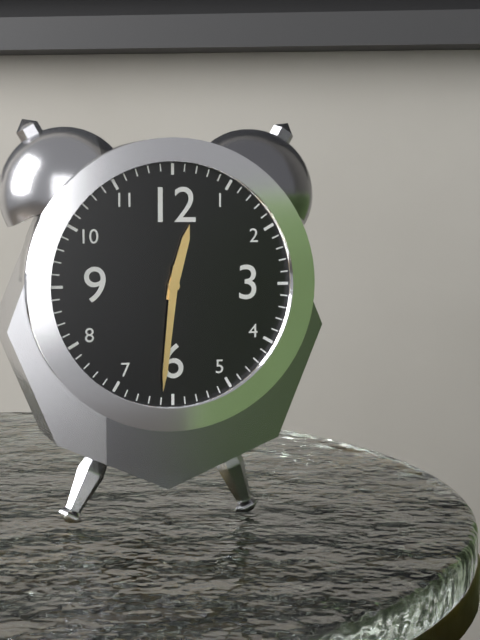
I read {"hour": 12, "minute": 31}
